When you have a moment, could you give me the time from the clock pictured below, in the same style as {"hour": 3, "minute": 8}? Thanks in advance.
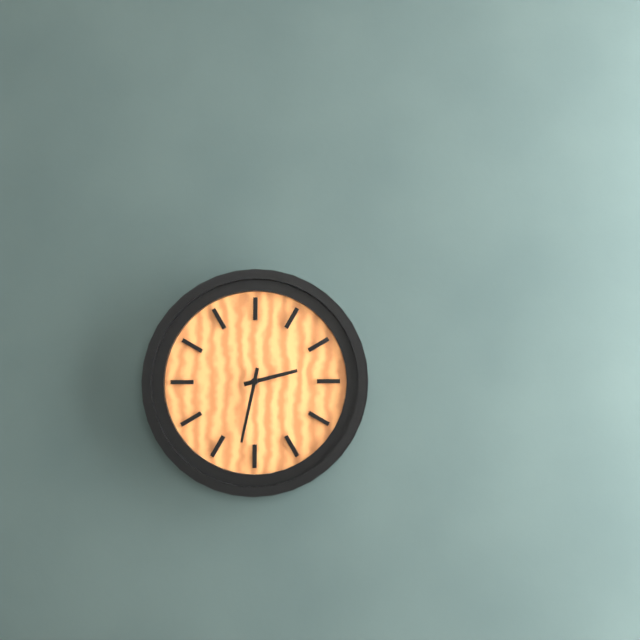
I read {"hour": 2, "minute": 32}
